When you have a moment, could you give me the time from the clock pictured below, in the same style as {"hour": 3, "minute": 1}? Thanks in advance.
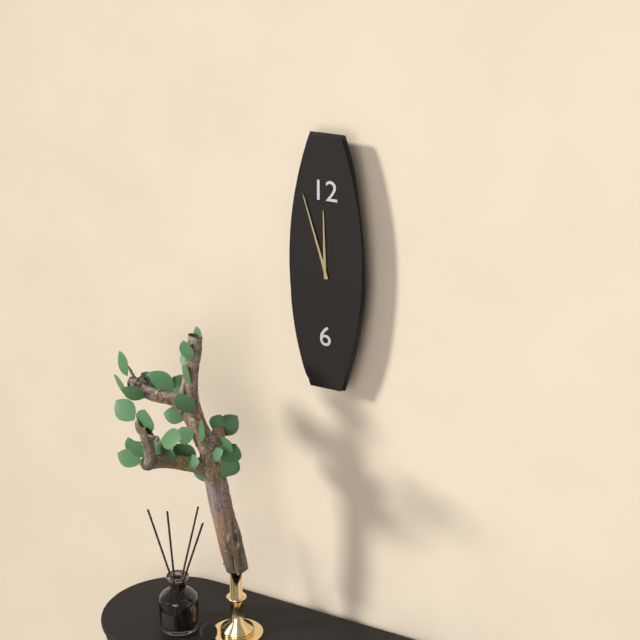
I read {"hour": 11, "minute": 57}
